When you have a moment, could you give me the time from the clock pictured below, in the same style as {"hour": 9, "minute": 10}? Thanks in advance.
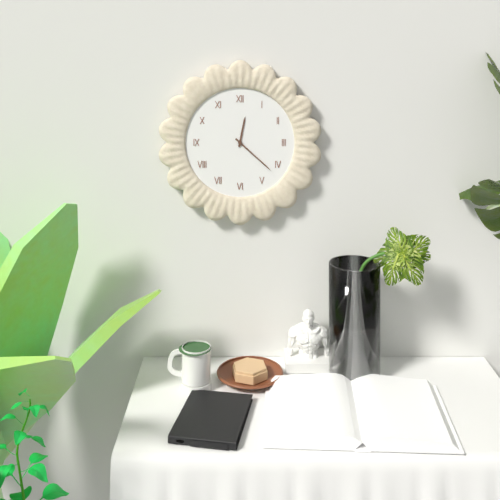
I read {"hour": 12, "minute": 22}
